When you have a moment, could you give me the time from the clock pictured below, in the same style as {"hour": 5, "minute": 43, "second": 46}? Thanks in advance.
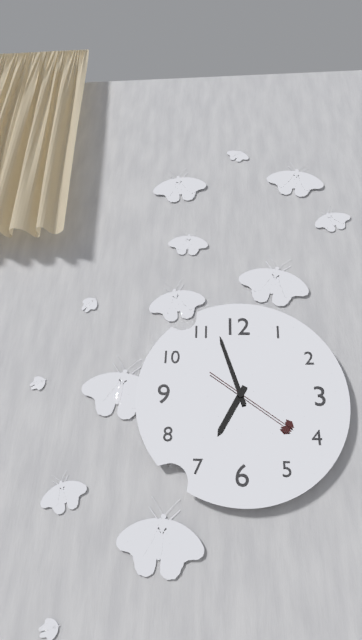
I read {"hour": 6, "minute": 57, "second": 21}
